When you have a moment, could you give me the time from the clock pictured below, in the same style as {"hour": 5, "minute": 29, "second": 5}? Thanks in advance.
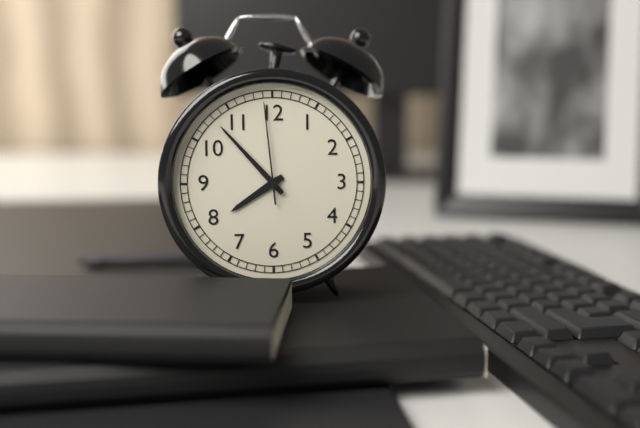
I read {"hour": 7, "minute": 53, "second": 59}
